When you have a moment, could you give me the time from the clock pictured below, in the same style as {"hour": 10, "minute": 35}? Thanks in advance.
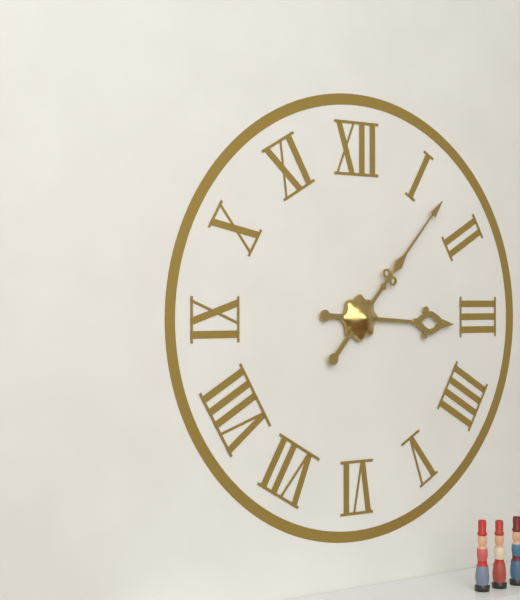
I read {"hour": 3, "minute": 7}
